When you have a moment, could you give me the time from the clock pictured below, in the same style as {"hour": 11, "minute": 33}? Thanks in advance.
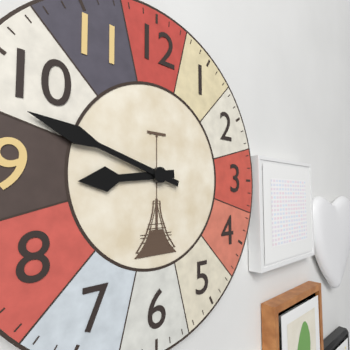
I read {"hour": 8, "minute": 48}
